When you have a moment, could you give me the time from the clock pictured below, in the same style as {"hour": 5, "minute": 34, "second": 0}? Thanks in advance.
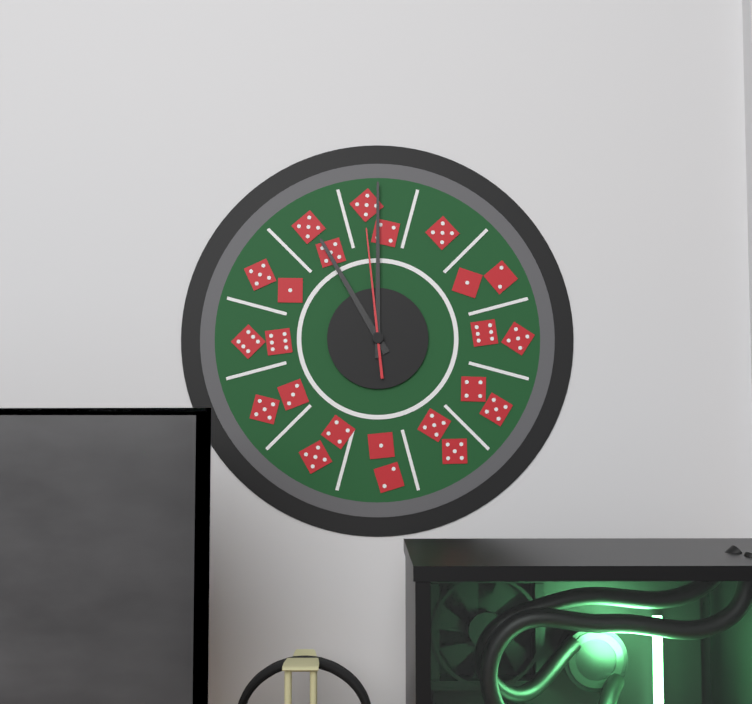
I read {"hour": 11, "minute": 0, "second": 59}
